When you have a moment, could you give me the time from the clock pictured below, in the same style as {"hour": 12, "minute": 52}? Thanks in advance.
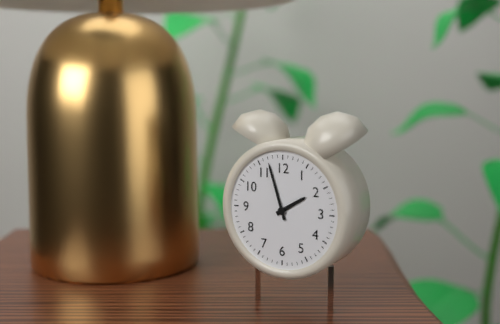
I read {"hour": 1, "minute": 57}
